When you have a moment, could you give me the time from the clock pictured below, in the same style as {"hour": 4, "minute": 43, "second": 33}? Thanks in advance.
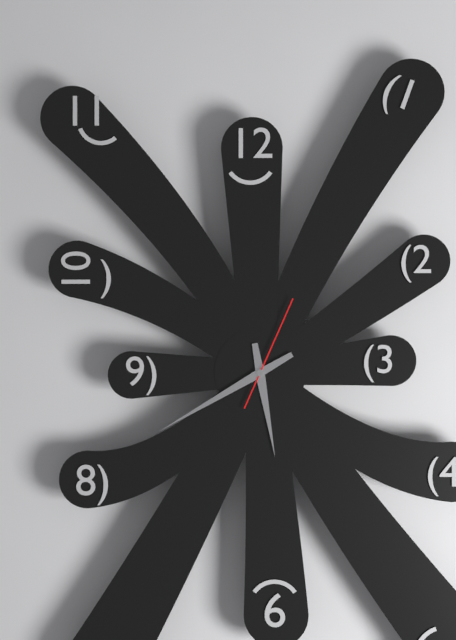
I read {"hour": 5, "minute": 40, "second": 4}
